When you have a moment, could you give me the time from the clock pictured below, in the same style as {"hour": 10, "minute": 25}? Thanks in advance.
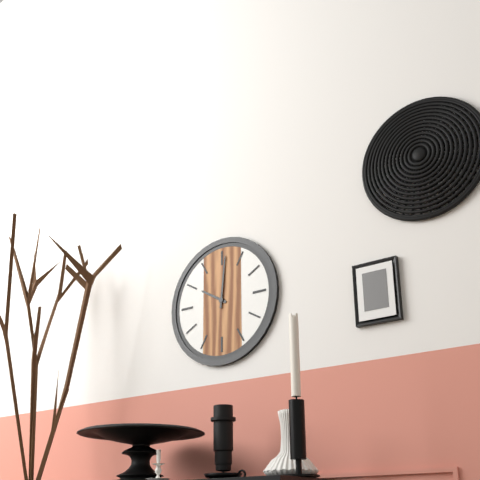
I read {"hour": 10, "minute": 1}
